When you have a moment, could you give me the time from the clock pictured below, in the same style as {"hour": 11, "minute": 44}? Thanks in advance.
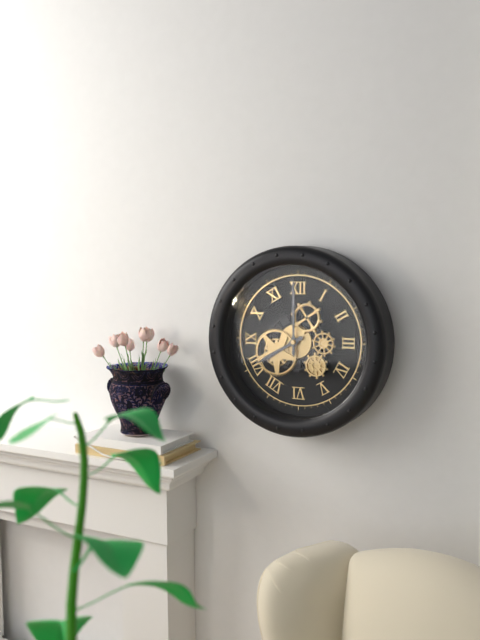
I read {"hour": 8, "minute": 0}
